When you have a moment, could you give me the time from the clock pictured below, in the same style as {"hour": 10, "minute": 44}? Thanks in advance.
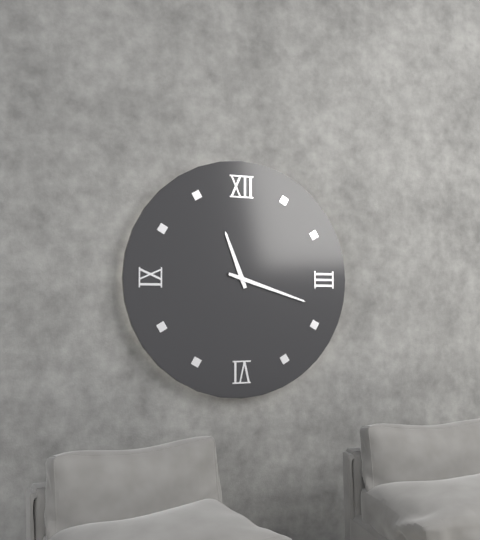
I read {"hour": 11, "minute": 18}
